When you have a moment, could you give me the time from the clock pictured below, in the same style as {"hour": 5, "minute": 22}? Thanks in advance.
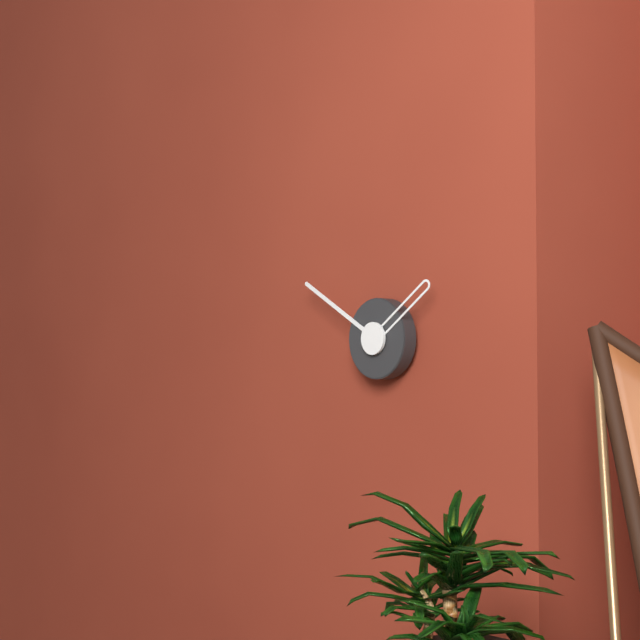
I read {"hour": 1, "minute": 50}
